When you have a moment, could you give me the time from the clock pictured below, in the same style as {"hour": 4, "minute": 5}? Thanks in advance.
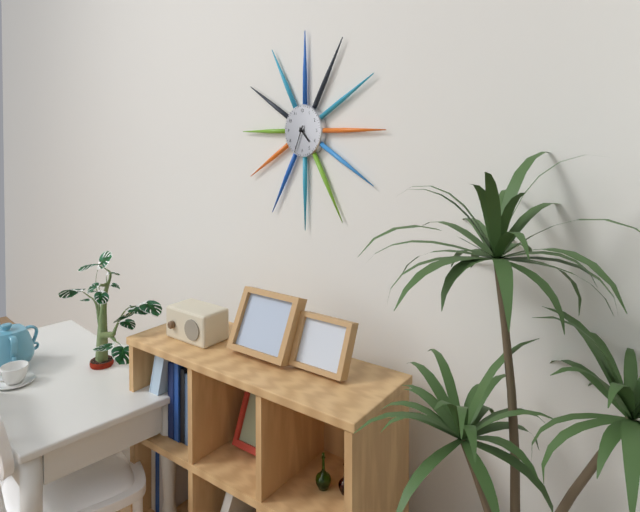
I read {"hour": 4, "minute": 34}
